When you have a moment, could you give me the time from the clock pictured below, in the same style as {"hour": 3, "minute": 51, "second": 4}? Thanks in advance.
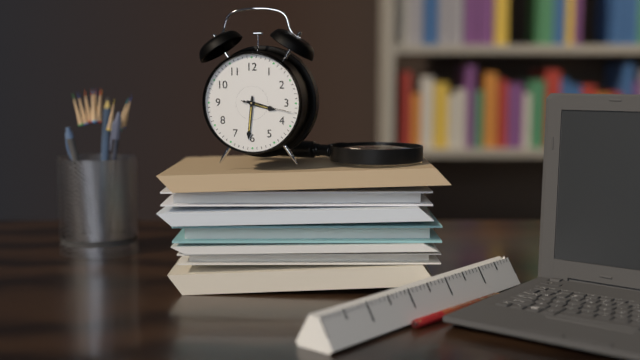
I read {"hour": 3, "minute": 31, "second": 17}
